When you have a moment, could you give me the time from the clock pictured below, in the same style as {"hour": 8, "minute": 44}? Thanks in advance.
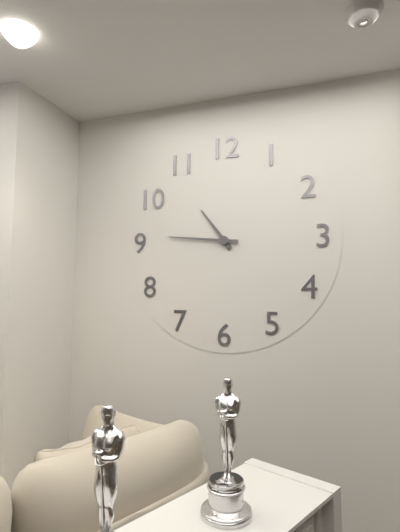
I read {"hour": 10, "minute": 46}
